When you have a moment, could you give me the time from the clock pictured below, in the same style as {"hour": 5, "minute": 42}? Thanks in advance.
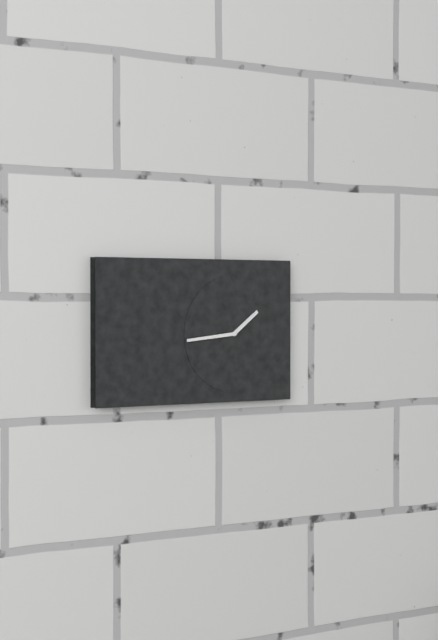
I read {"hour": 1, "minute": 44}
